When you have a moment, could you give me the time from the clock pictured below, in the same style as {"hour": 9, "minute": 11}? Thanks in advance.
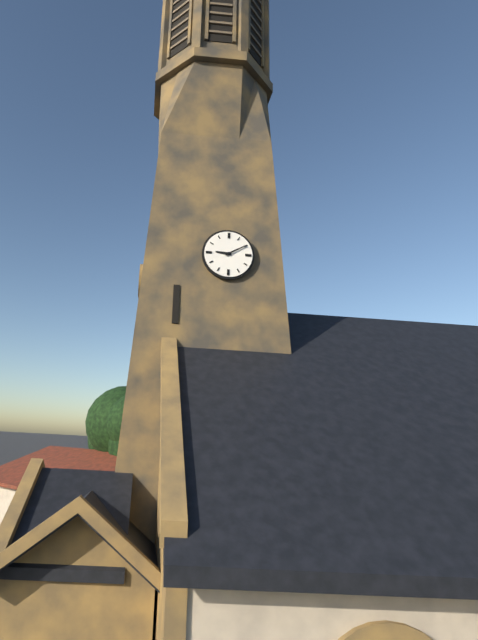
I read {"hour": 9, "minute": 10}
